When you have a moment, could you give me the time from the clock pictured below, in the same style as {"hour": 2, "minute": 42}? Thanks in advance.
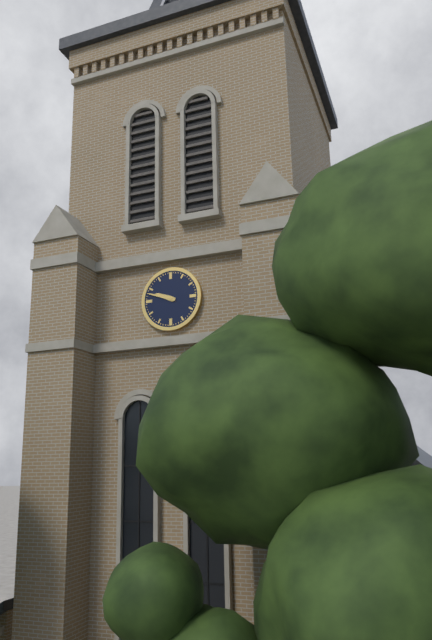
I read {"hour": 9, "minute": 48}
